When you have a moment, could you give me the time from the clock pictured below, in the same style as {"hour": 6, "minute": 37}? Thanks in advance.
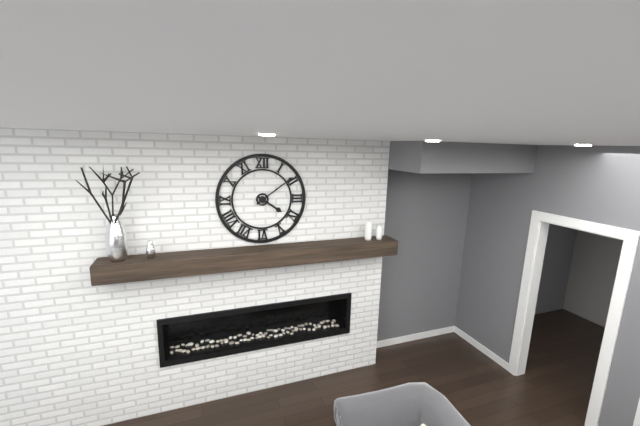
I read {"hour": 4, "minute": 9}
